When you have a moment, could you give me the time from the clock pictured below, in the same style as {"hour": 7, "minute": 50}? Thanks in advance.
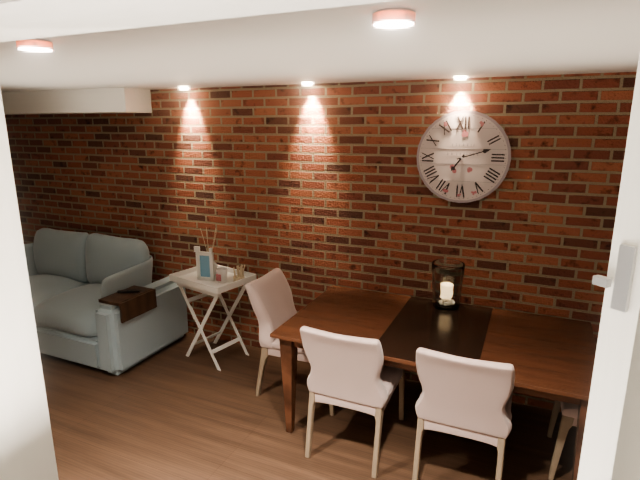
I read {"hour": 7, "minute": 12}
